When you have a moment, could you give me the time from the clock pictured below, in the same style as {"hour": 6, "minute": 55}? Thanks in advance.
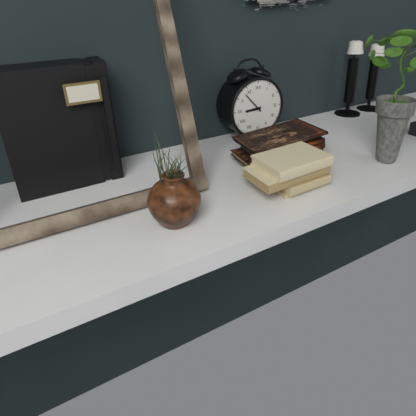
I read {"hour": 8, "minute": 53}
